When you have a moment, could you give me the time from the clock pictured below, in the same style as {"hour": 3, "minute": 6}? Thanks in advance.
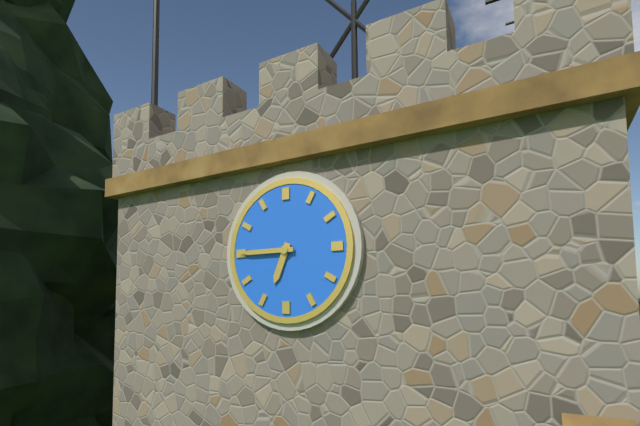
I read {"hour": 6, "minute": 45}
